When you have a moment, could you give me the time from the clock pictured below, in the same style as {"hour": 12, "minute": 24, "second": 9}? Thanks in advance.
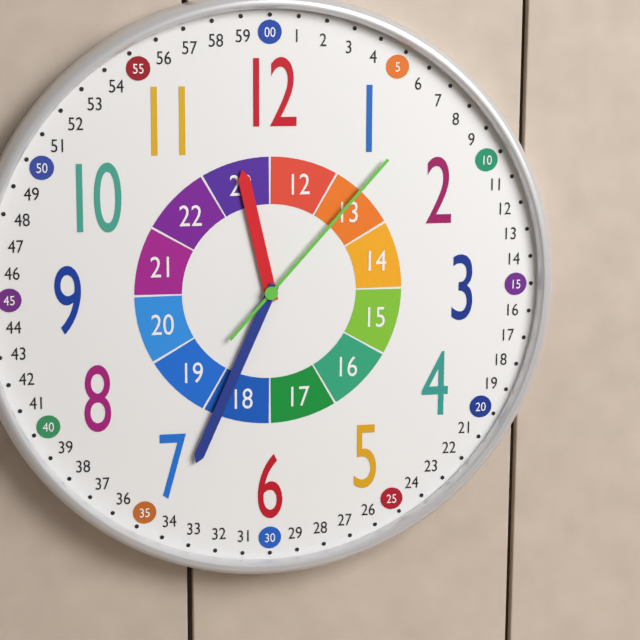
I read {"hour": 11, "minute": 34, "second": 7}
